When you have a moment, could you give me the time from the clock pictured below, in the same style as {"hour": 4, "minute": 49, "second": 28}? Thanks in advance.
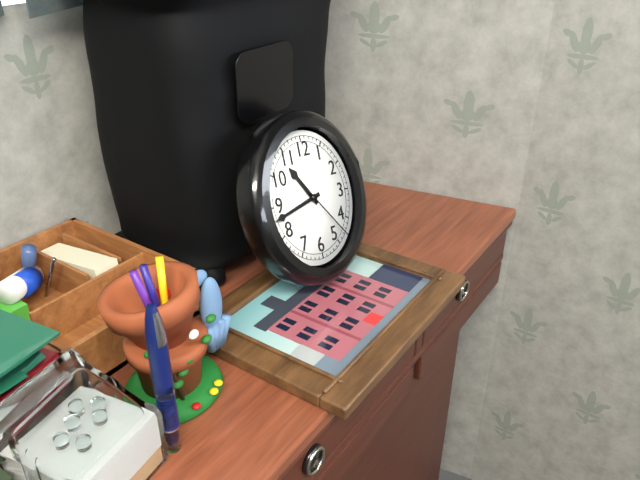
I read {"hour": 10, "minute": 43, "second": 23}
